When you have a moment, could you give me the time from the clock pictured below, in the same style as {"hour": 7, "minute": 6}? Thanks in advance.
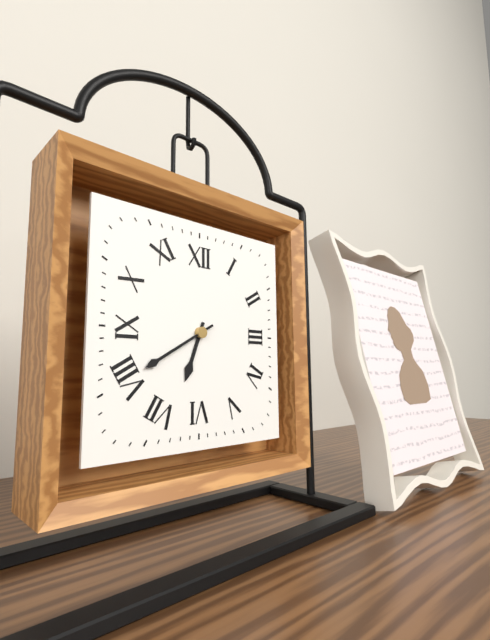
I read {"hour": 6, "minute": 40}
